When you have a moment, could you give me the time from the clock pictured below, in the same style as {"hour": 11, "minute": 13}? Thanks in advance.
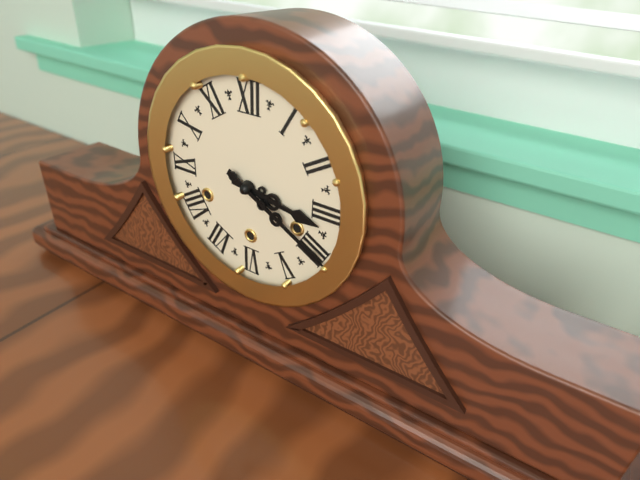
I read {"hour": 3, "minute": 20}
